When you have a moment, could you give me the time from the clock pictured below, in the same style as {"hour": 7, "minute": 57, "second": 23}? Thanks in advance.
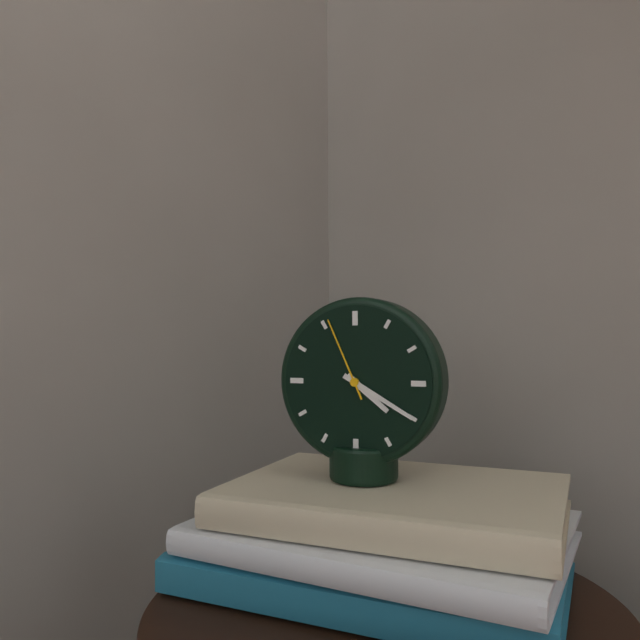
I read {"hour": 4, "minute": 20, "second": 56}
